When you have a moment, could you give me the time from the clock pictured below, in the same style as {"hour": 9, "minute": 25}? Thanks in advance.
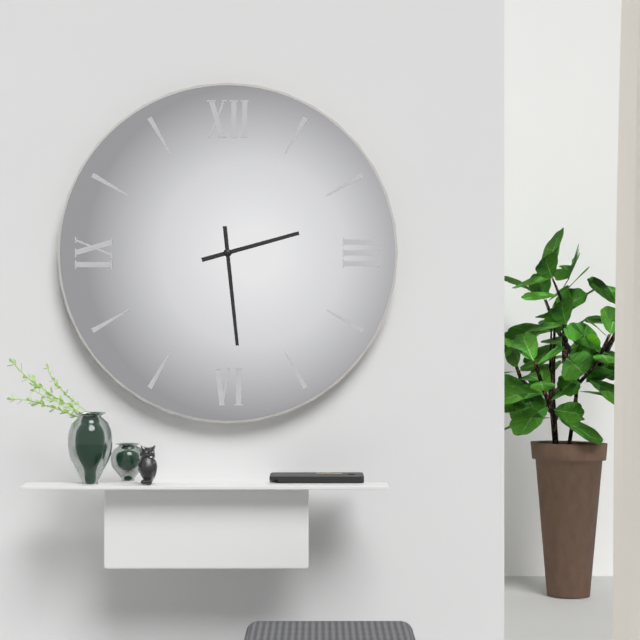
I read {"hour": 2, "minute": 29}
